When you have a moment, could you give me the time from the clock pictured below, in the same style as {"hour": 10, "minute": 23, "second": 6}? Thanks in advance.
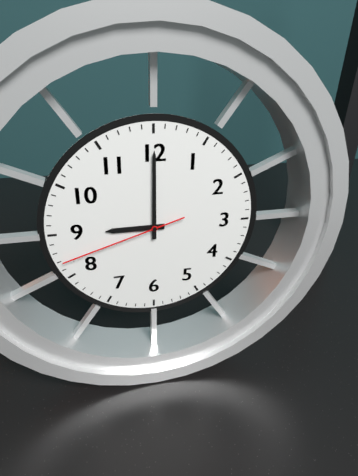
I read {"hour": 9, "minute": 0, "second": 42}
